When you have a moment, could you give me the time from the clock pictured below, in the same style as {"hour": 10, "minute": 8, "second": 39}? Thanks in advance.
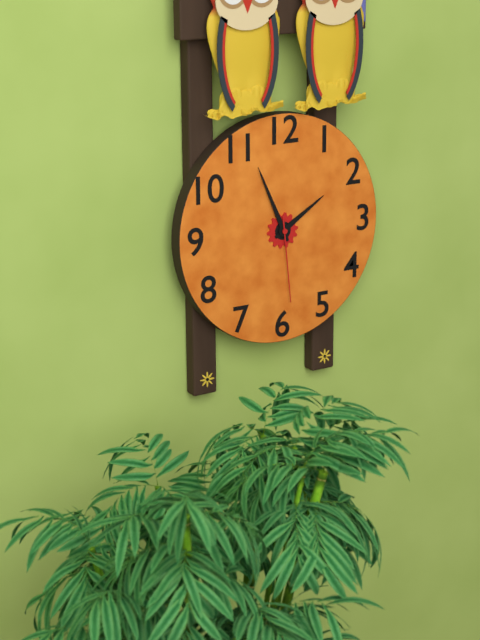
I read {"hour": 1, "minute": 56, "second": 29}
